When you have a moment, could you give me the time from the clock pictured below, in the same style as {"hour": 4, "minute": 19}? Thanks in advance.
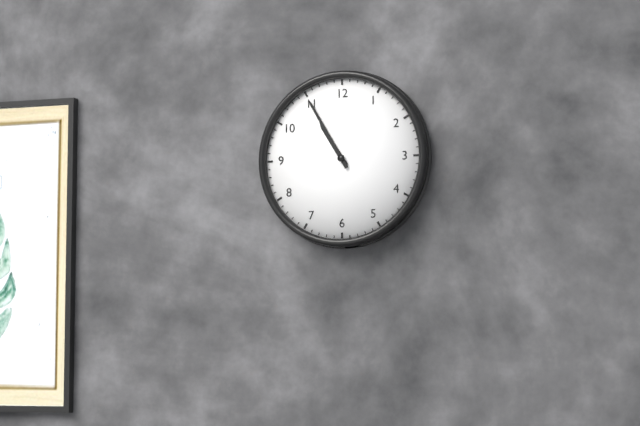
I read {"hour": 10, "minute": 55}
